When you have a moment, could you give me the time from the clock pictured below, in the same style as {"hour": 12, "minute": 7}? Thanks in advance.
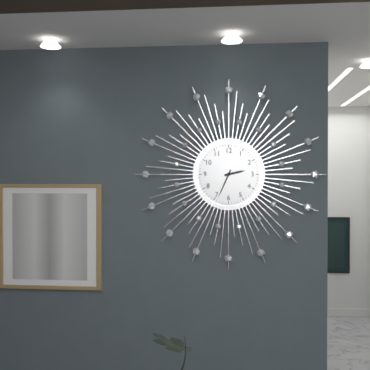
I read {"hour": 2, "minute": 34}
